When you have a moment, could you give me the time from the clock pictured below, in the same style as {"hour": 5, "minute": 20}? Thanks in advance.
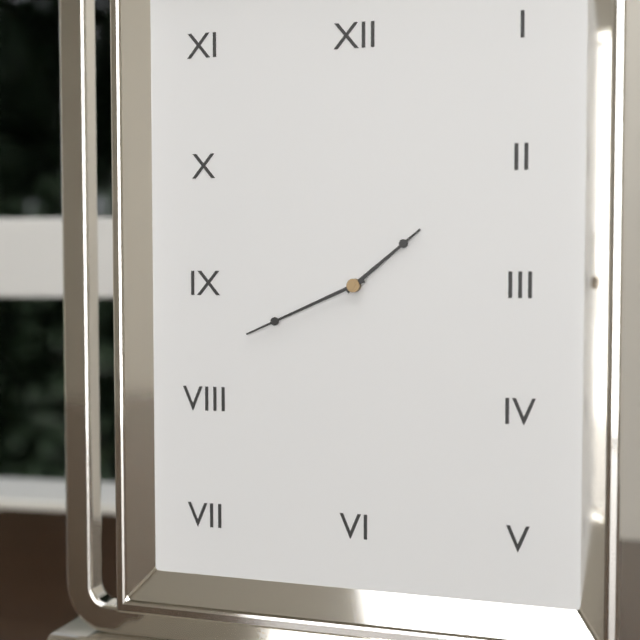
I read {"hour": 1, "minute": 41}
